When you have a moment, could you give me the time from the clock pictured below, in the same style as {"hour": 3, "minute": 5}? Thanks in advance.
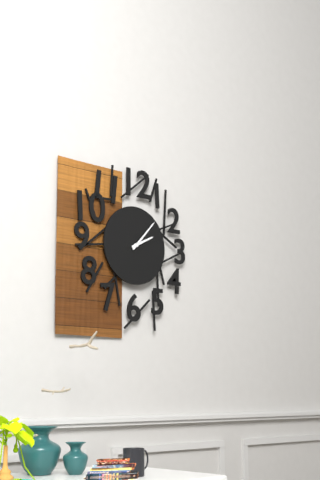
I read {"hour": 2, "minute": 7}
